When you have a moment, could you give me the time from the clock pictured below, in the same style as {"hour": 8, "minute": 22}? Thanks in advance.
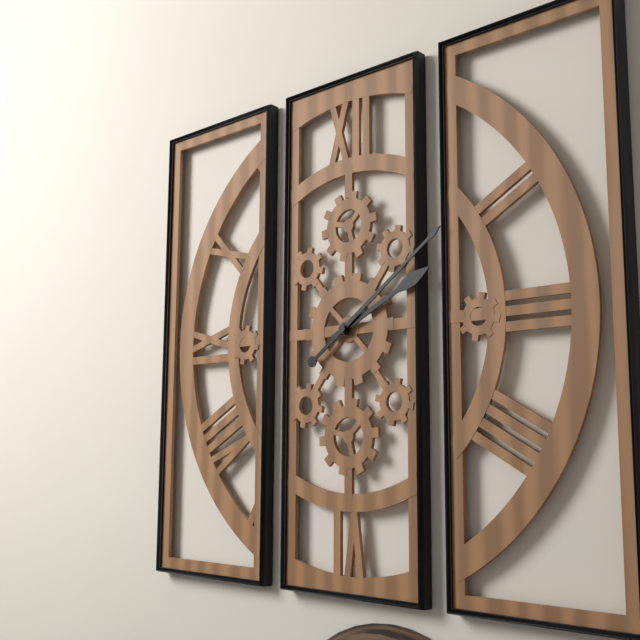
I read {"hour": 2, "minute": 9}
